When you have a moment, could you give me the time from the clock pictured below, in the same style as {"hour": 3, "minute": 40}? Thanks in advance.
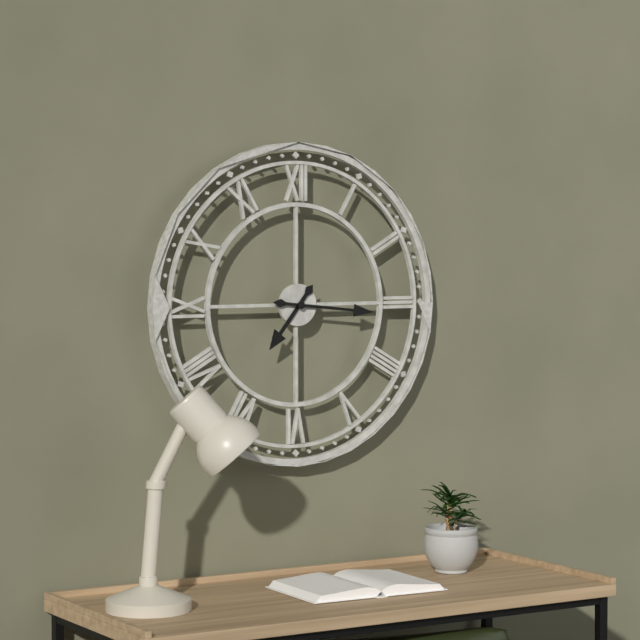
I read {"hour": 7, "minute": 16}
